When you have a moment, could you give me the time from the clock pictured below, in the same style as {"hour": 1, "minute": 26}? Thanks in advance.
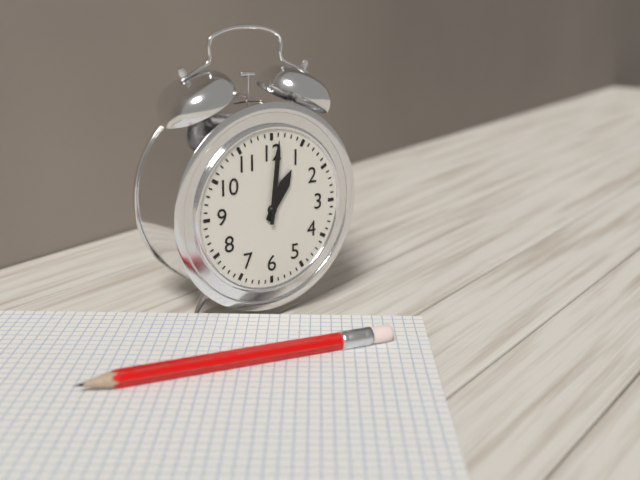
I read {"hour": 1, "minute": 1}
